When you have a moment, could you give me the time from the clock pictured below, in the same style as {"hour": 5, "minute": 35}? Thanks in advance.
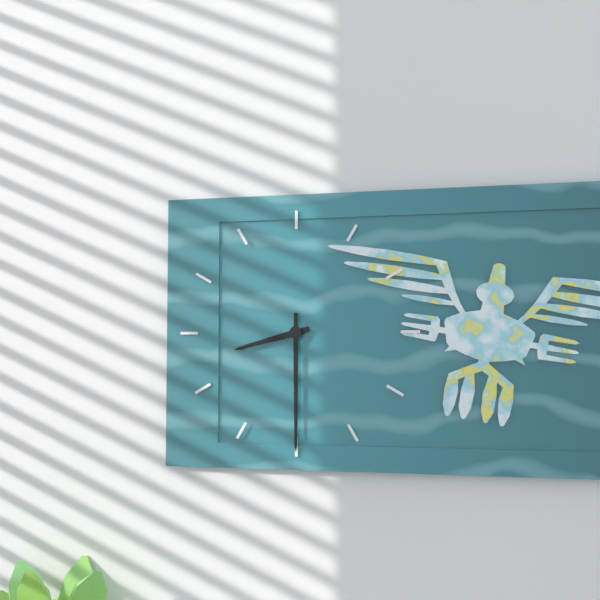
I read {"hour": 8, "minute": 30}
